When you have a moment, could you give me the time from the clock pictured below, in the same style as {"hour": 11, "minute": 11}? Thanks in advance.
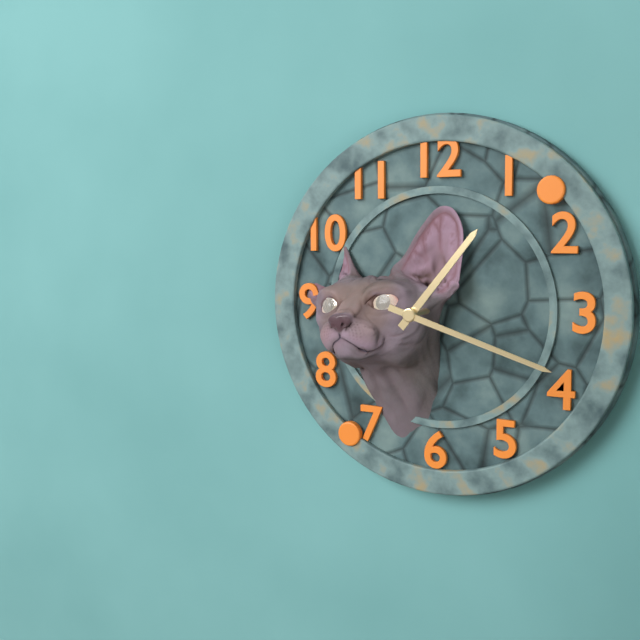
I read {"hour": 1, "minute": 18}
